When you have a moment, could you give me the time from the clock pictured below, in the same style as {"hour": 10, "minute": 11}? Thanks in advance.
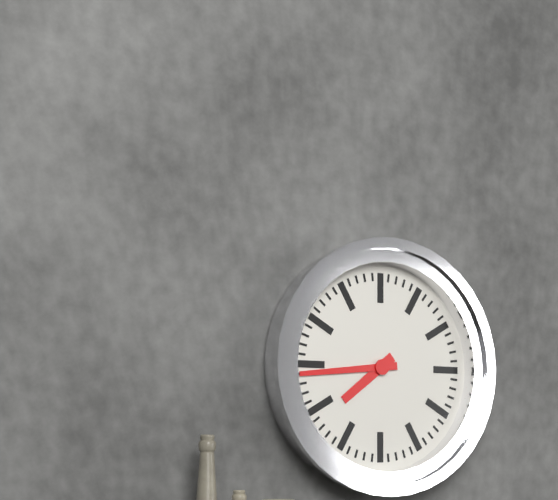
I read {"hour": 7, "minute": 44}
